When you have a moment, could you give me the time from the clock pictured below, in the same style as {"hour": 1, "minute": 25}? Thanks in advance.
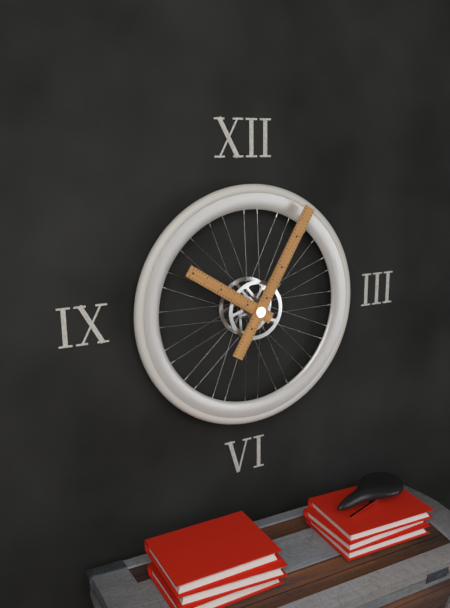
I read {"hour": 10, "minute": 5}
